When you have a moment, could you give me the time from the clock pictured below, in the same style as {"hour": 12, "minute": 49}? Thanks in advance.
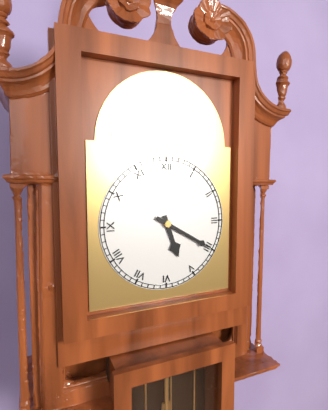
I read {"hour": 5, "minute": 20}
